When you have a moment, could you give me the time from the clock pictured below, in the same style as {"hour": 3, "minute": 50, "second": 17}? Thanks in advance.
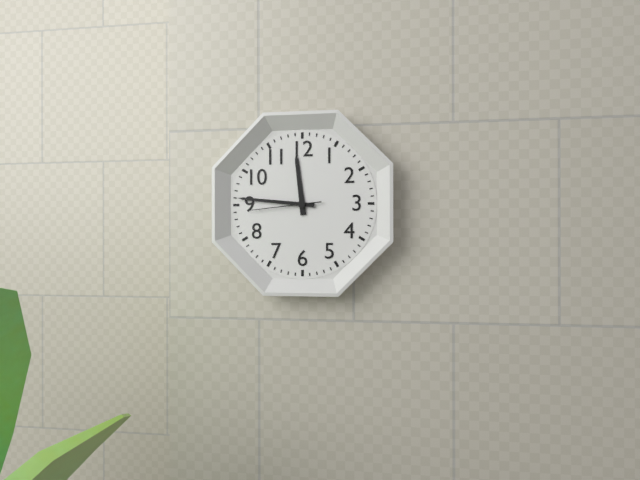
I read {"hour": 11, "minute": 46, "second": 44}
